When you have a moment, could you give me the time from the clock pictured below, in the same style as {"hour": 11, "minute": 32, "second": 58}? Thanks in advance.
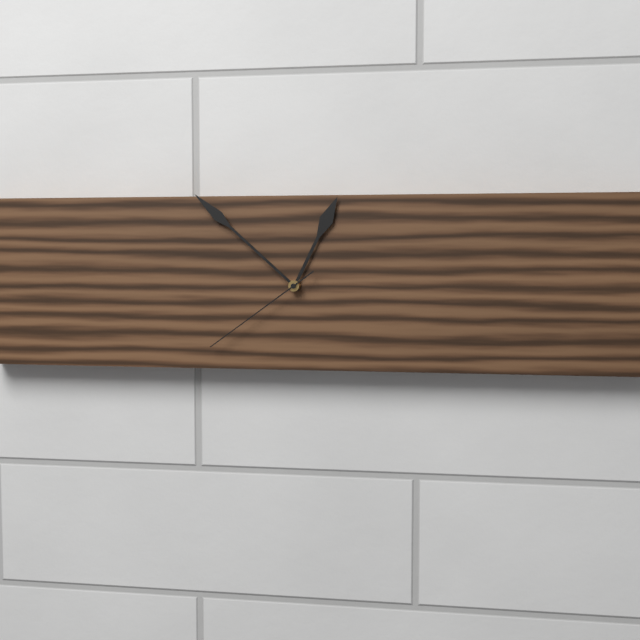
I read {"hour": 12, "minute": 52, "second": 39}
